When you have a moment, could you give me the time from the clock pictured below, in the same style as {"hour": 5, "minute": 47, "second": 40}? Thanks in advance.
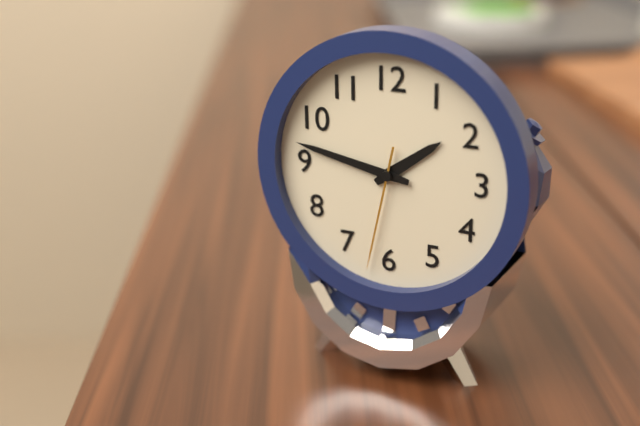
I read {"hour": 1, "minute": 47, "second": 32}
